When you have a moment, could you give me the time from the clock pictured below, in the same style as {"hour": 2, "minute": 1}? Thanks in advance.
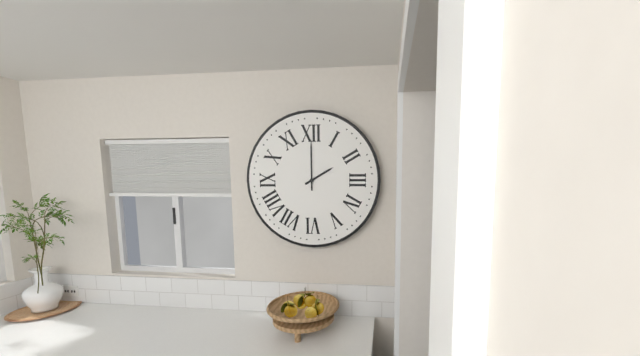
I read {"hour": 2, "minute": 0}
